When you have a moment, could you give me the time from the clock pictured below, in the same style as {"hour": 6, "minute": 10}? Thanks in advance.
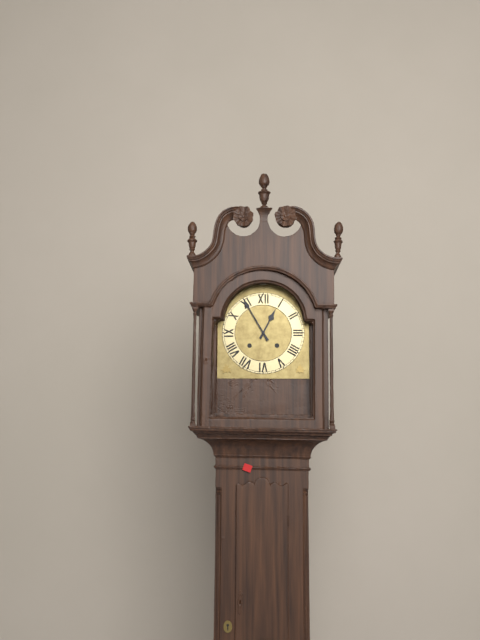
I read {"hour": 12, "minute": 55}
